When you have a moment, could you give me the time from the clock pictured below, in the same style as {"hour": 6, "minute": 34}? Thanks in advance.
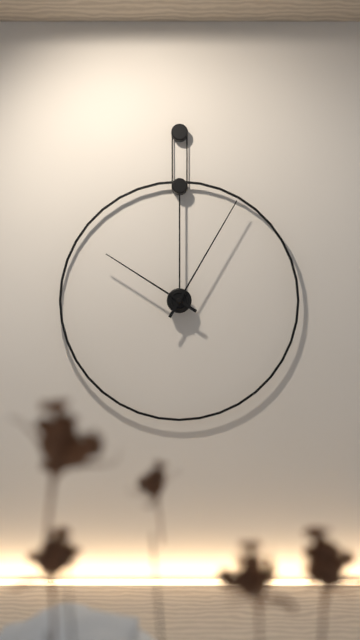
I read {"hour": 10, "minute": 5}
